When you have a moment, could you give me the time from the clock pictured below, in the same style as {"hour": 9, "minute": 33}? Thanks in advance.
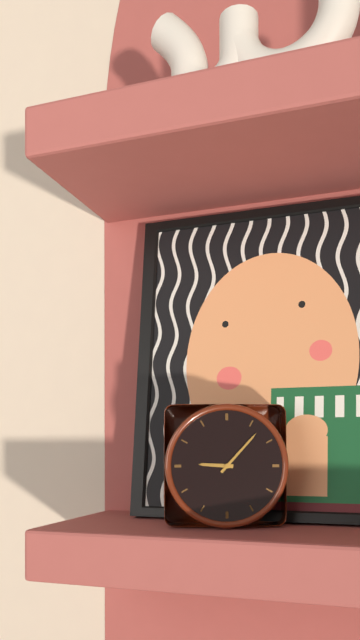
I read {"hour": 9, "minute": 7}
